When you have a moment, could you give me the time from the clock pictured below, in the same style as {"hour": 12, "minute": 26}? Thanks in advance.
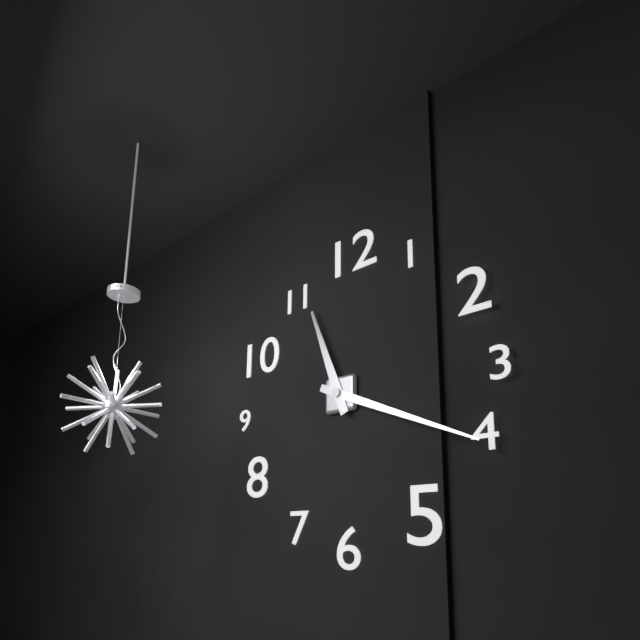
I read {"hour": 11, "minute": 19}
